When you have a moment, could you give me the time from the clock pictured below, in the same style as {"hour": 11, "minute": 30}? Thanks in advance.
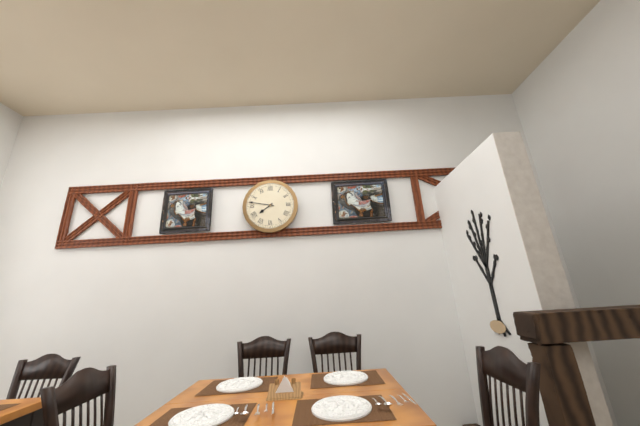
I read {"hour": 7, "minute": 47}
